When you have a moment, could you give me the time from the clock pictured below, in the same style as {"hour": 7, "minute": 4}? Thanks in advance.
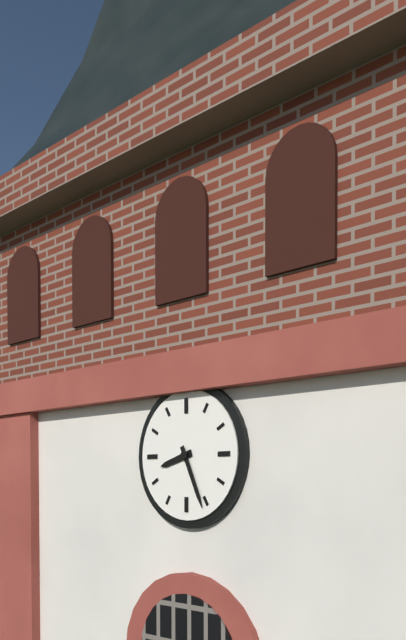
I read {"hour": 8, "minute": 26}
